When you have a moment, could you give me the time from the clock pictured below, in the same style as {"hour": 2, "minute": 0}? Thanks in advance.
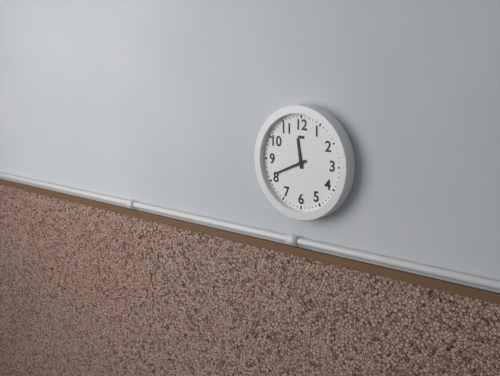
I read {"hour": 11, "minute": 41}
